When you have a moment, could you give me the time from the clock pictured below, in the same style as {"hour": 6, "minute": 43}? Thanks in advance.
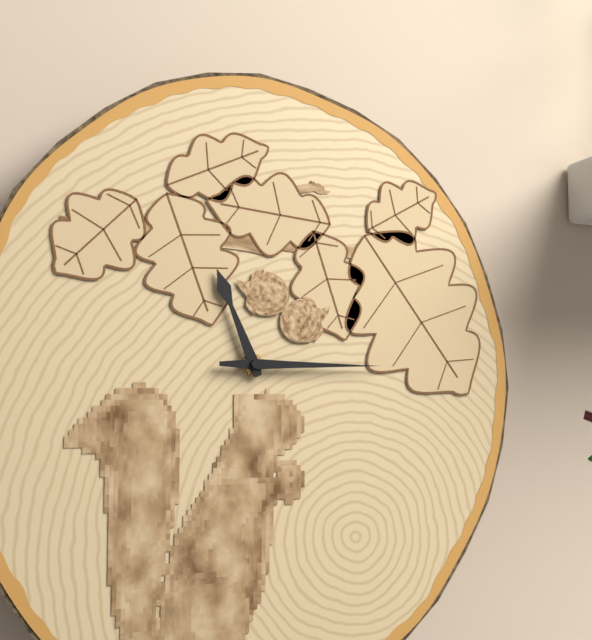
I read {"hour": 11, "minute": 15}
